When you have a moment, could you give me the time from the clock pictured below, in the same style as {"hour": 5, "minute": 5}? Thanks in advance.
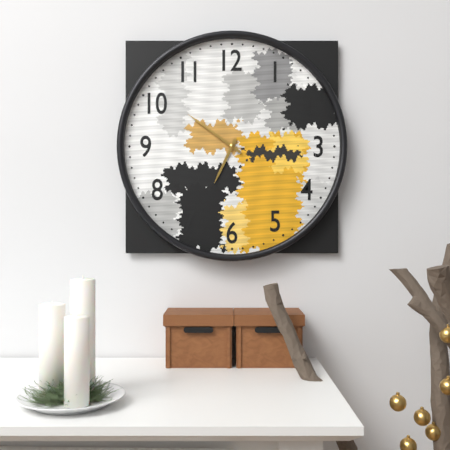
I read {"hour": 6, "minute": 51}
